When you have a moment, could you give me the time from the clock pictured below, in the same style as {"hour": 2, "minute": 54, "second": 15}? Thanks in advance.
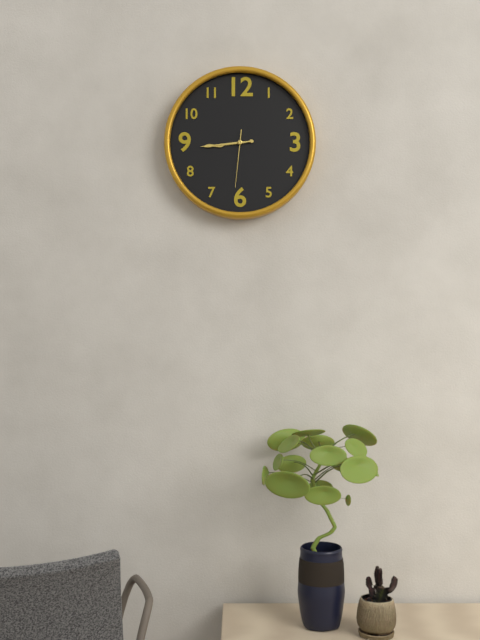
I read {"hour": 8, "minute": 44, "second": 31}
